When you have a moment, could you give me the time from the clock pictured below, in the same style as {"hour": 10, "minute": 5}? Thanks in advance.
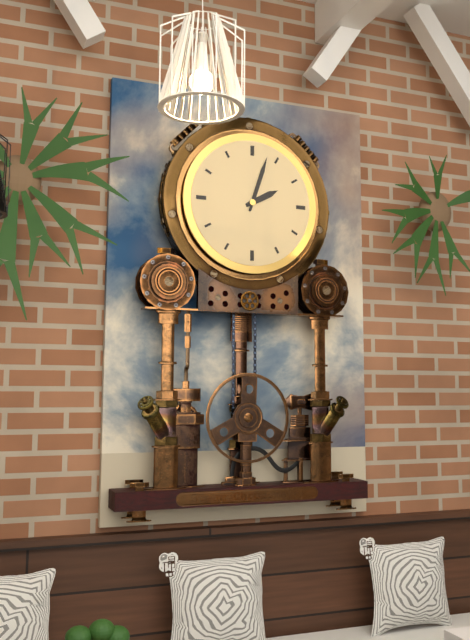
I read {"hour": 2, "minute": 3}
